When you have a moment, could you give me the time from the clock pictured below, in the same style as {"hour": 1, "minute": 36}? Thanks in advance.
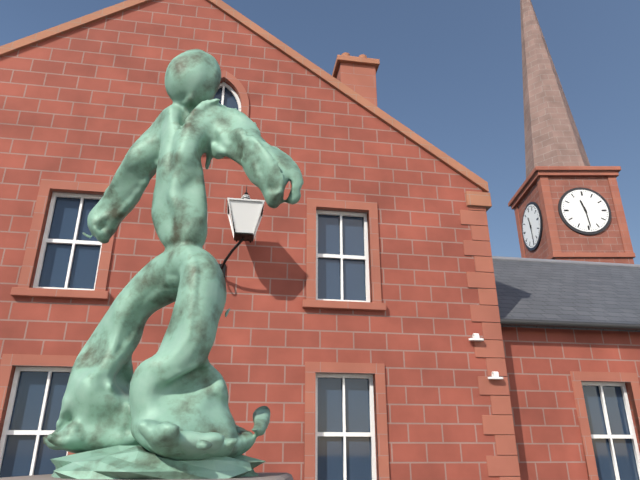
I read {"hour": 11, "minute": 29}
